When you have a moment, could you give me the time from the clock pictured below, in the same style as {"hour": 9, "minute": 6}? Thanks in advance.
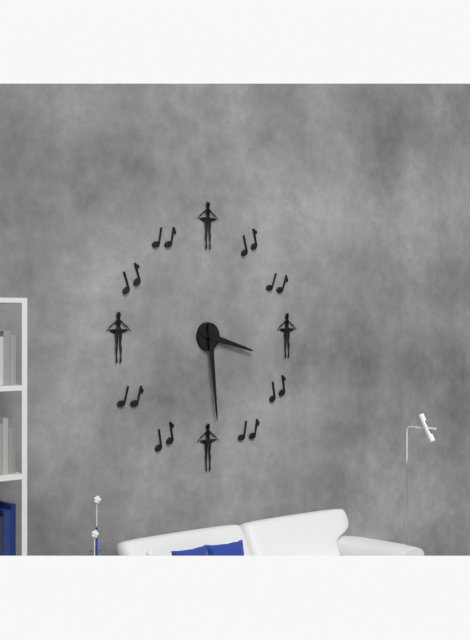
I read {"hour": 3, "minute": 29}
